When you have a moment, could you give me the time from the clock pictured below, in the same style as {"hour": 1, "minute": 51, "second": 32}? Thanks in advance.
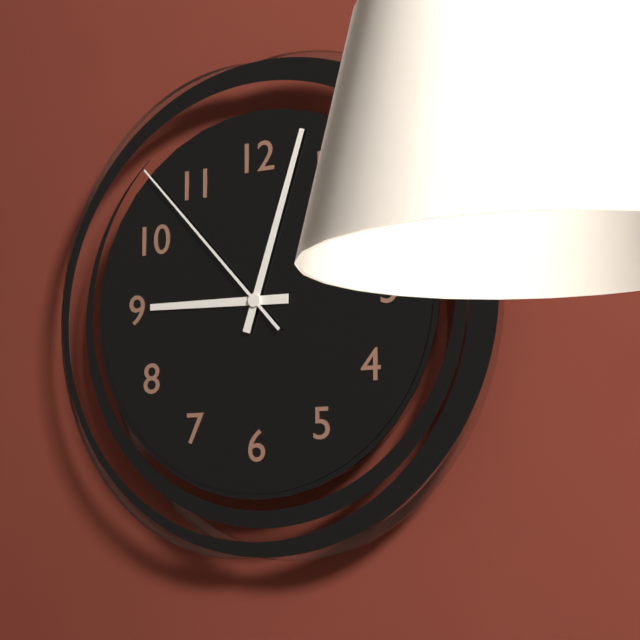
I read {"hour": 9, "minute": 3, "second": 53}
